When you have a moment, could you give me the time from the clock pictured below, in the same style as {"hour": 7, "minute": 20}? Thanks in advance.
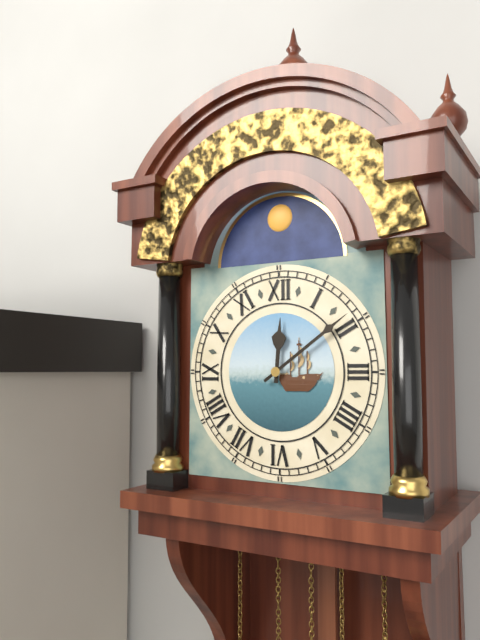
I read {"hour": 12, "minute": 9}
